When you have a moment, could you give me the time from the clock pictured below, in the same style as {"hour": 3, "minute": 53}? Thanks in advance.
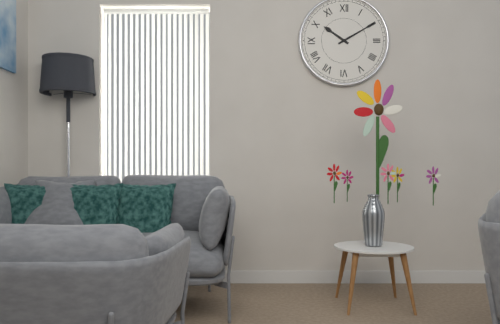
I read {"hour": 10, "minute": 10}
